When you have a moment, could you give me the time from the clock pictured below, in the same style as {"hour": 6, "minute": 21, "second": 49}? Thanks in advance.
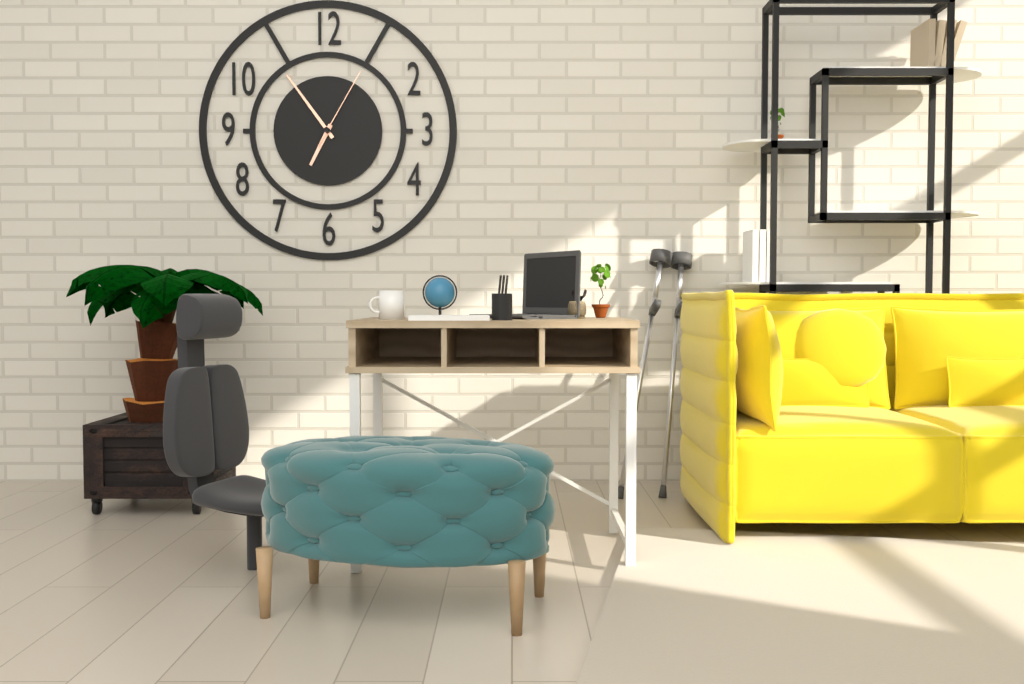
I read {"hour": 6, "minute": 54, "second": 5}
